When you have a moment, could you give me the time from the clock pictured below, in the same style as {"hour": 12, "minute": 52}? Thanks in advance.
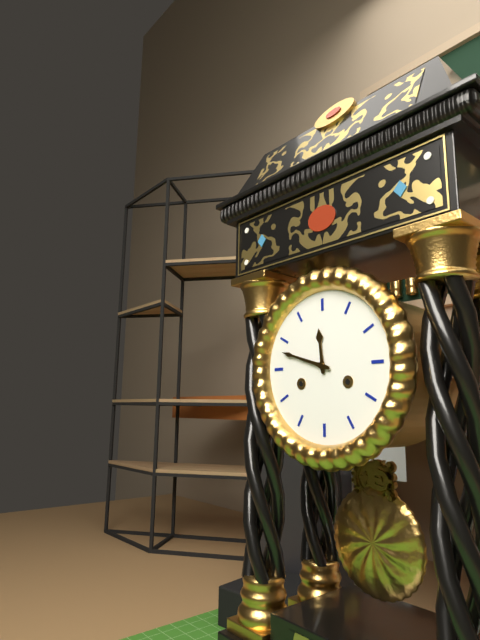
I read {"hour": 11, "minute": 48}
